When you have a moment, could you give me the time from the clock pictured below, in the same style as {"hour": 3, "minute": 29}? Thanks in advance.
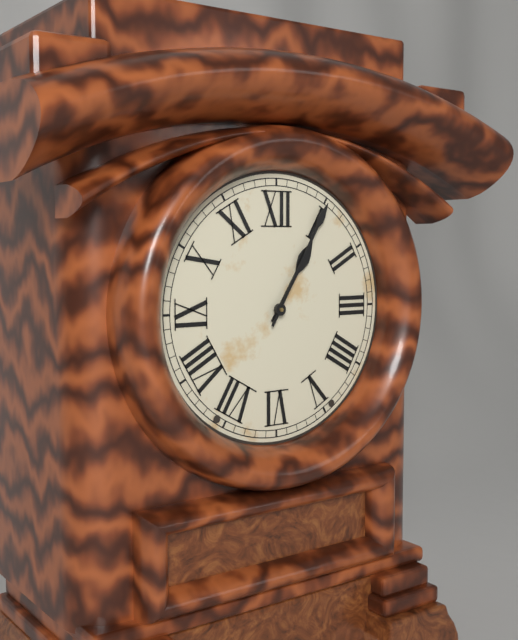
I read {"hour": 1, "minute": 5}
